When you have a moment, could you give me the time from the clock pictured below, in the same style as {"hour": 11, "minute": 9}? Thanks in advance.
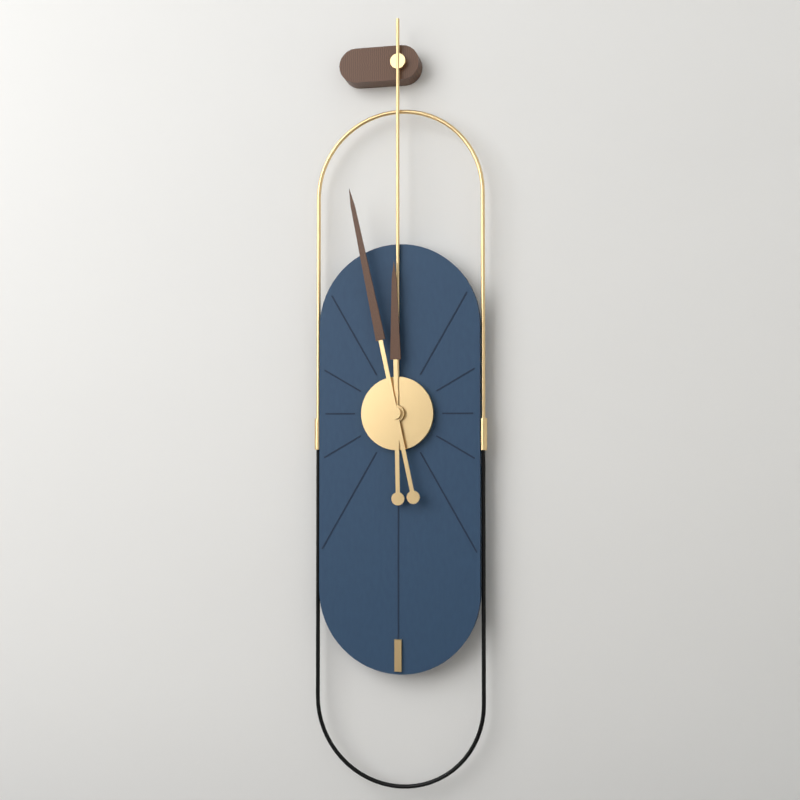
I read {"hour": 11, "minute": 58}
